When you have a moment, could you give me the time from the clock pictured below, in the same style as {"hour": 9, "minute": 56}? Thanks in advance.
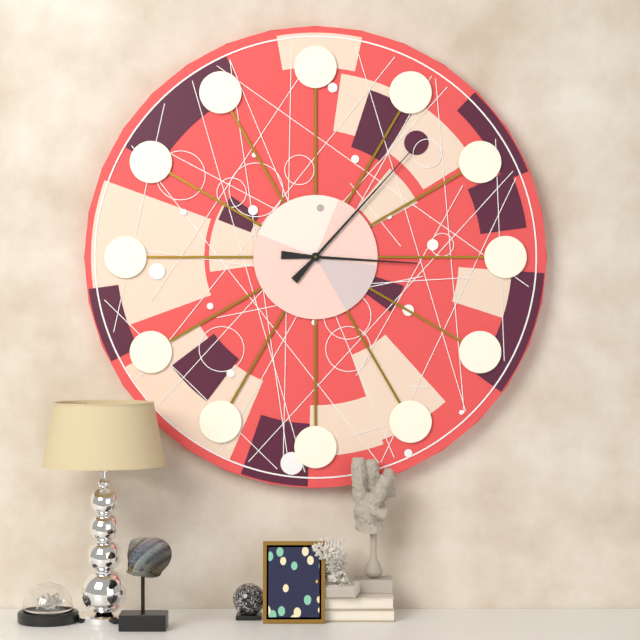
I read {"hour": 3, "minute": 7}
